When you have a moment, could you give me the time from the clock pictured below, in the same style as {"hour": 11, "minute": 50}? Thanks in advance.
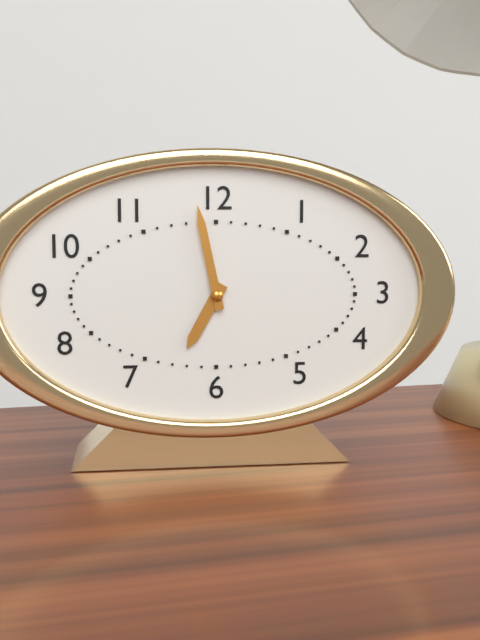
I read {"hour": 6, "minute": 58}
